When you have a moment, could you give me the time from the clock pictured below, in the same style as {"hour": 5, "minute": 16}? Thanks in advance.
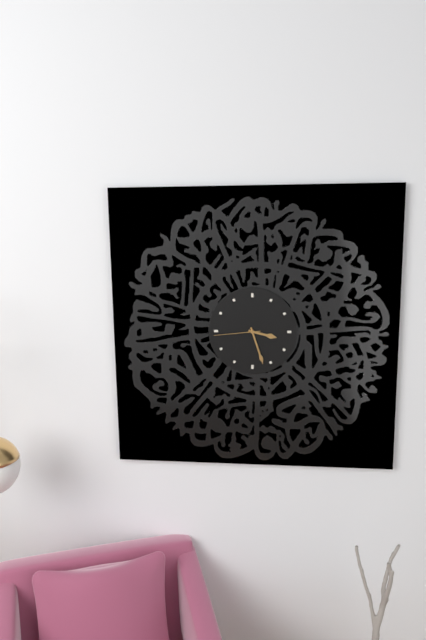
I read {"hour": 3, "minute": 27}
